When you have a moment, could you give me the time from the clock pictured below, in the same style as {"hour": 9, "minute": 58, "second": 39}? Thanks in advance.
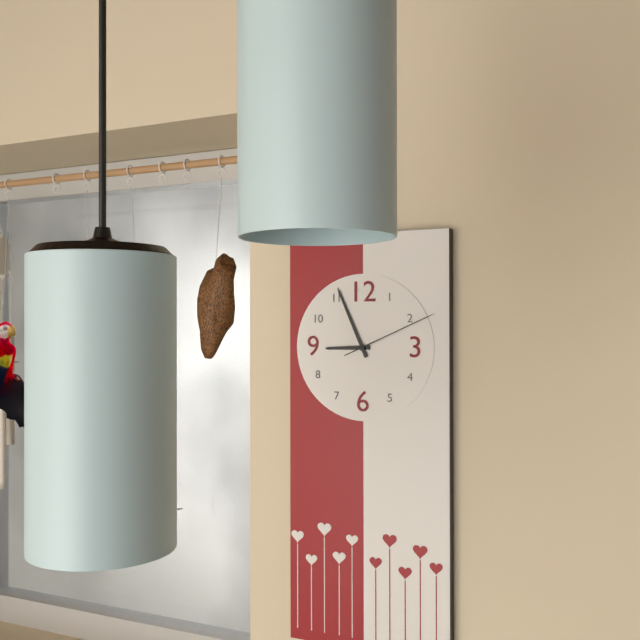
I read {"hour": 8, "minute": 56, "second": 11}
